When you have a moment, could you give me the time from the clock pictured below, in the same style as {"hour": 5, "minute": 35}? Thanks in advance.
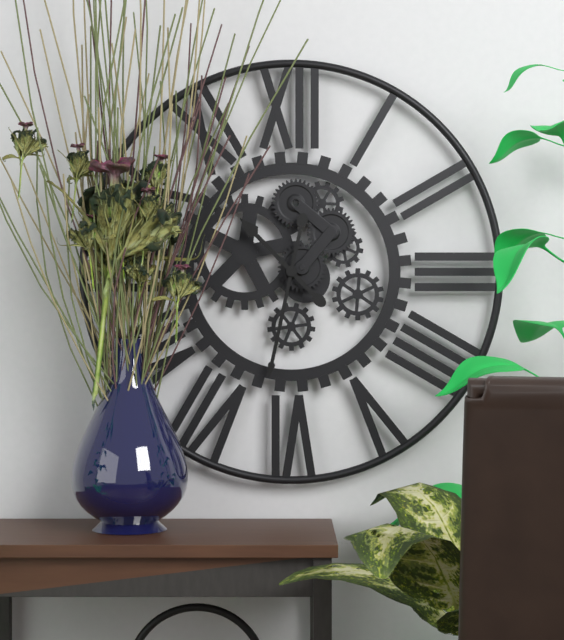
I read {"hour": 10, "minute": 32}
